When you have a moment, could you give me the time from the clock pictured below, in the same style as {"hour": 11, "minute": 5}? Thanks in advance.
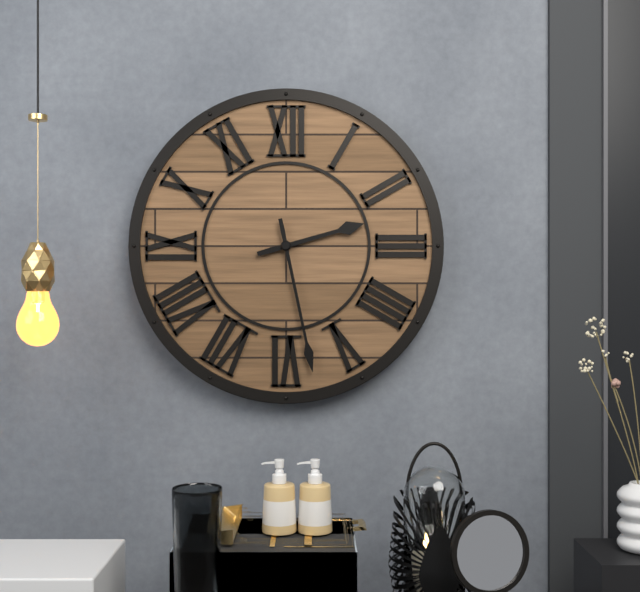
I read {"hour": 2, "minute": 28}
